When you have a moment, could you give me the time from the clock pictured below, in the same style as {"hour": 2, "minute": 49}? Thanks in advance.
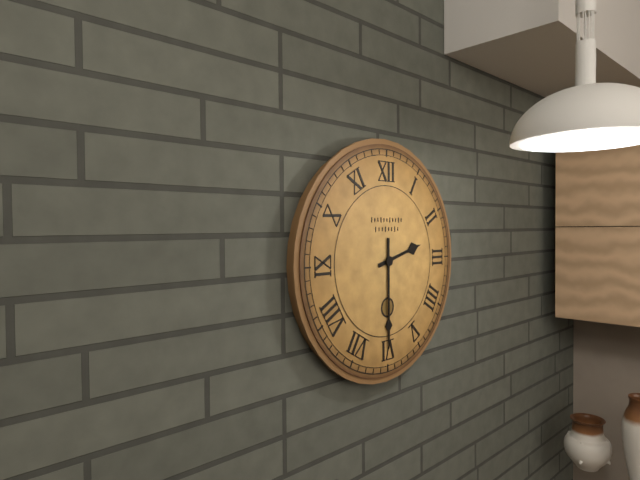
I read {"hour": 2, "minute": 30}
